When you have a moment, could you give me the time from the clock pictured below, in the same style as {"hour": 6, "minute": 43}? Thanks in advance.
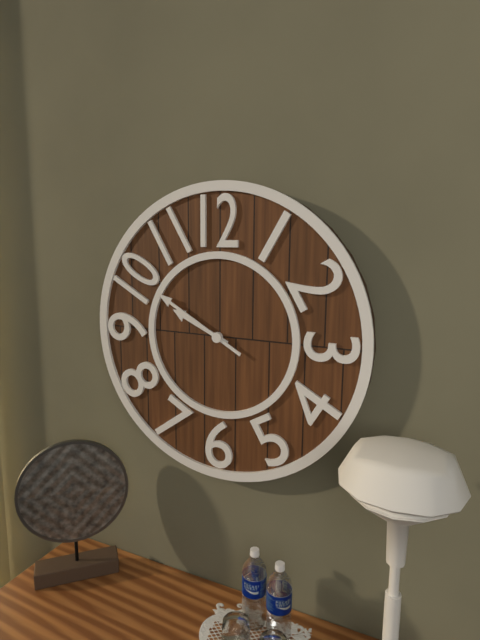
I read {"hour": 9, "minute": 50}
